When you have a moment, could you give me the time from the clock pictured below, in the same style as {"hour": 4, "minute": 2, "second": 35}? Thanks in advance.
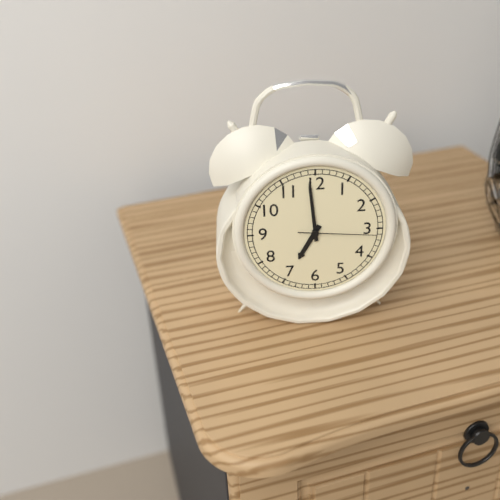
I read {"hour": 6, "minute": 59, "second": 16}
